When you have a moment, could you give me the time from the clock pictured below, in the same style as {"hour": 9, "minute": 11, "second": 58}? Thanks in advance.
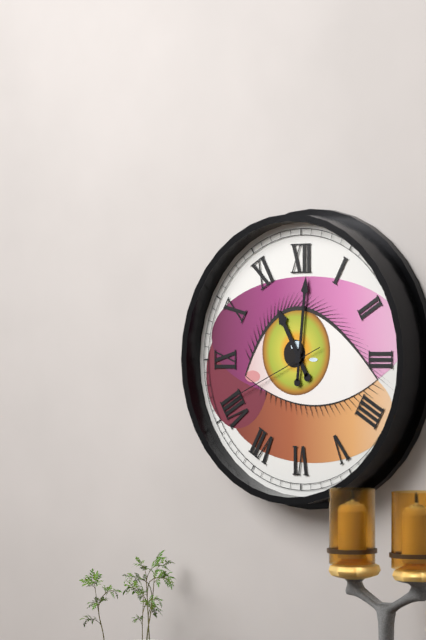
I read {"hour": 11, "minute": 1, "second": 41}
